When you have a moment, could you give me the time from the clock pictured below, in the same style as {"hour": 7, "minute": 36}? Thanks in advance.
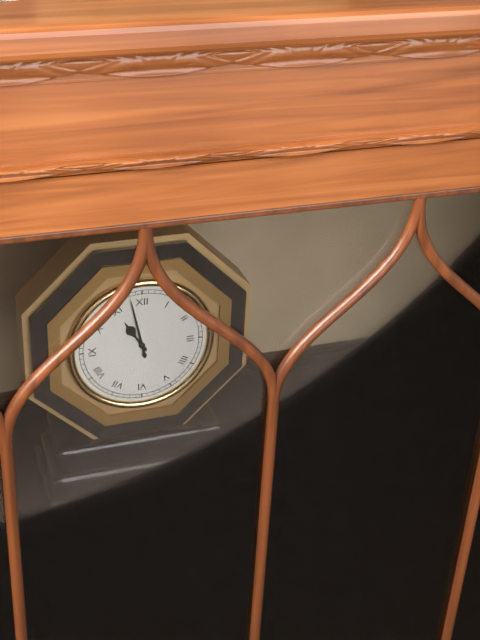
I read {"hour": 10, "minute": 58}
